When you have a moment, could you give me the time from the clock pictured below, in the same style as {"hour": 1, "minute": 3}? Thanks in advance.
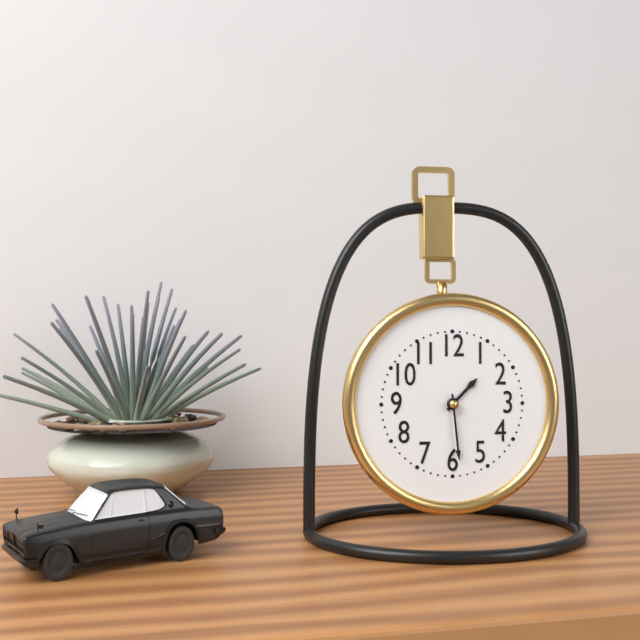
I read {"hour": 1, "minute": 29}
